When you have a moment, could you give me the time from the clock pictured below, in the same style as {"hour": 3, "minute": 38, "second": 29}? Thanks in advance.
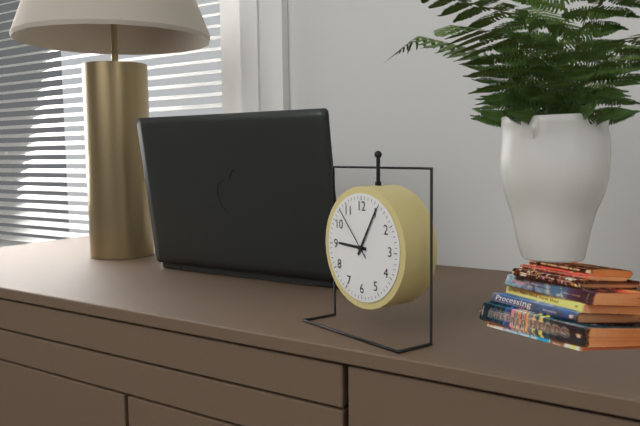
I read {"hour": 9, "minute": 5, "second": 53}
